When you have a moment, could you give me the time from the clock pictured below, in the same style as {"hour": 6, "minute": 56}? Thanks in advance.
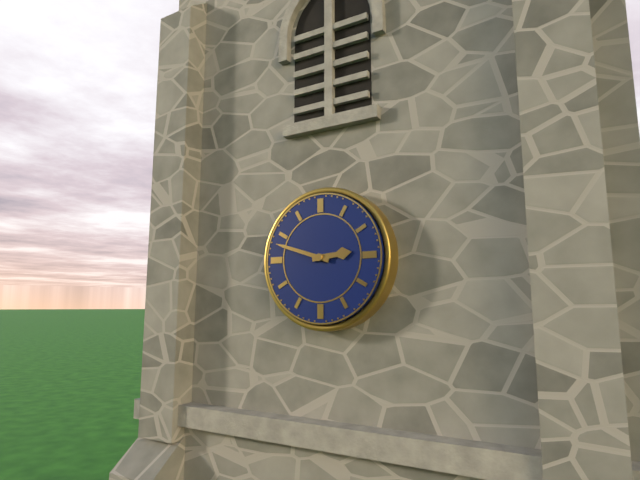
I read {"hour": 2, "minute": 48}
